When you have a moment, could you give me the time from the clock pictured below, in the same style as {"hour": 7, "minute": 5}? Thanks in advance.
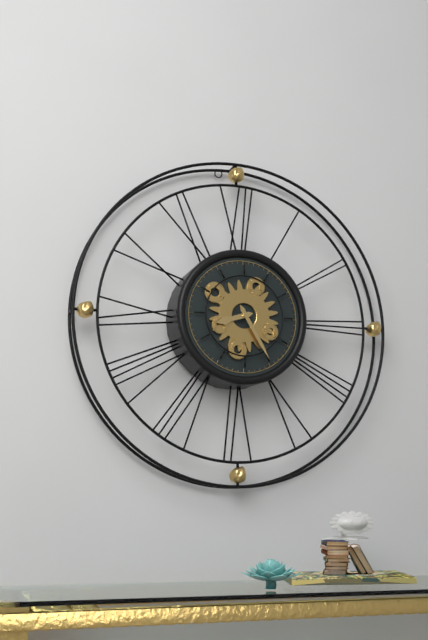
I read {"hour": 8, "minute": 25}
